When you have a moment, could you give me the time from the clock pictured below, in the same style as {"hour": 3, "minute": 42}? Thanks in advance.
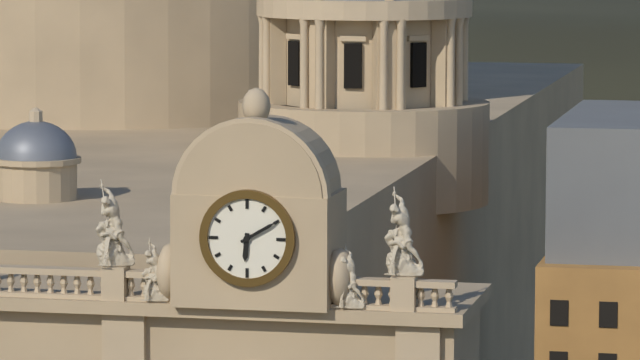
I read {"hour": 6, "minute": 10}
